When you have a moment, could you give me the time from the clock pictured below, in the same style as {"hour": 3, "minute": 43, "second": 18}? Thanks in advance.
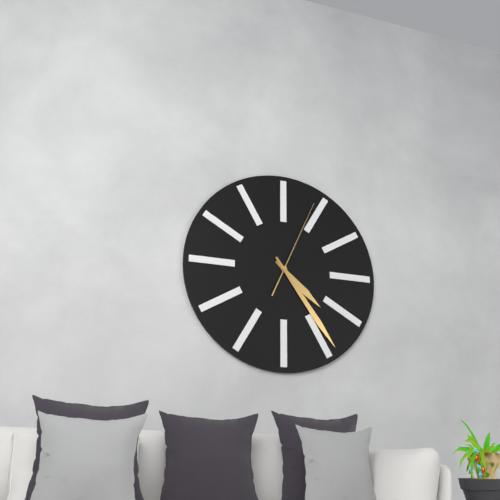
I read {"hour": 4, "minute": 24, "second": 4}
